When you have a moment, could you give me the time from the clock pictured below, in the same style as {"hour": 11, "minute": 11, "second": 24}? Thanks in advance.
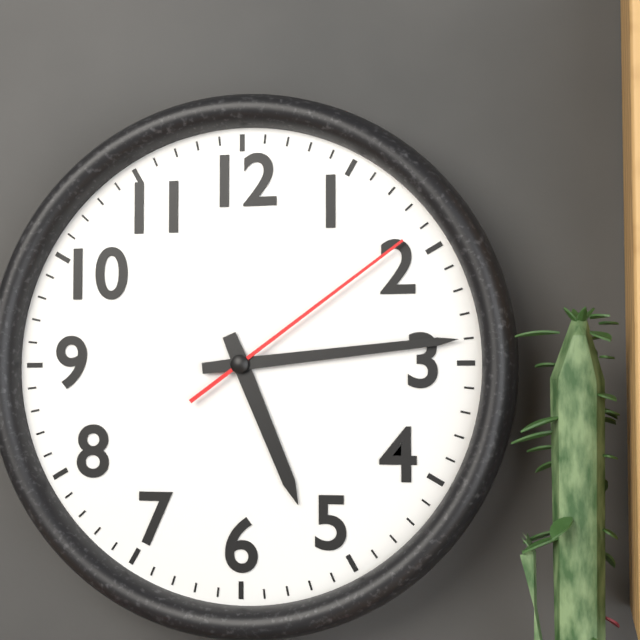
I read {"hour": 5, "minute": 14, "second": 9}
